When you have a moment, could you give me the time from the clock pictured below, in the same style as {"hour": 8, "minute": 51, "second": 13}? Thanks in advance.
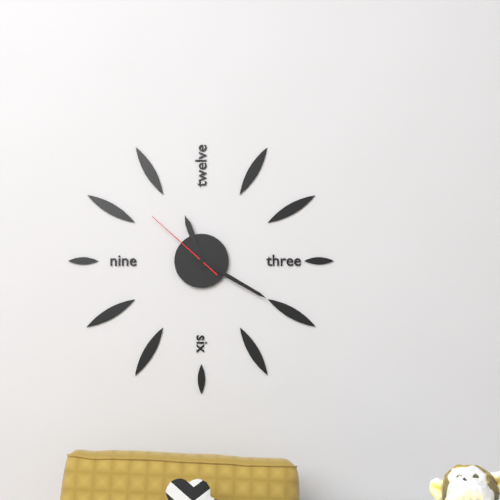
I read {"hour": 11, "minute": 20, "second": 52}
